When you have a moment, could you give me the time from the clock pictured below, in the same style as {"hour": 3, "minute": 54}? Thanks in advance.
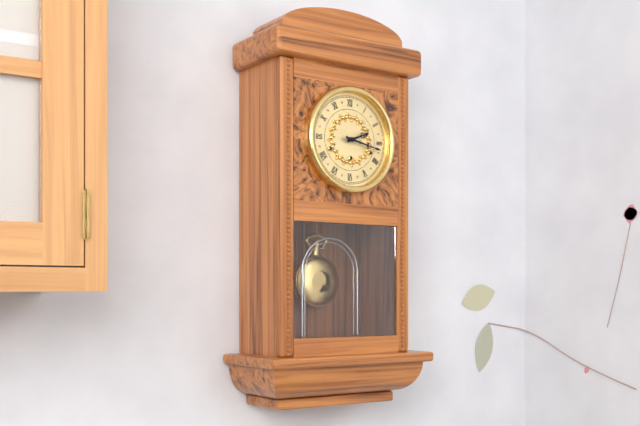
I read {"hour": 2, "minute": 17}
